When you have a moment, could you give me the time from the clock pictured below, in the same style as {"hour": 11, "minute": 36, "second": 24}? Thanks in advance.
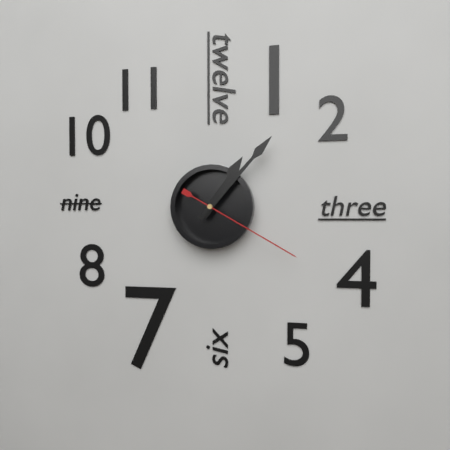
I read {"hour": 1, "minute": 7, "second": 20}
